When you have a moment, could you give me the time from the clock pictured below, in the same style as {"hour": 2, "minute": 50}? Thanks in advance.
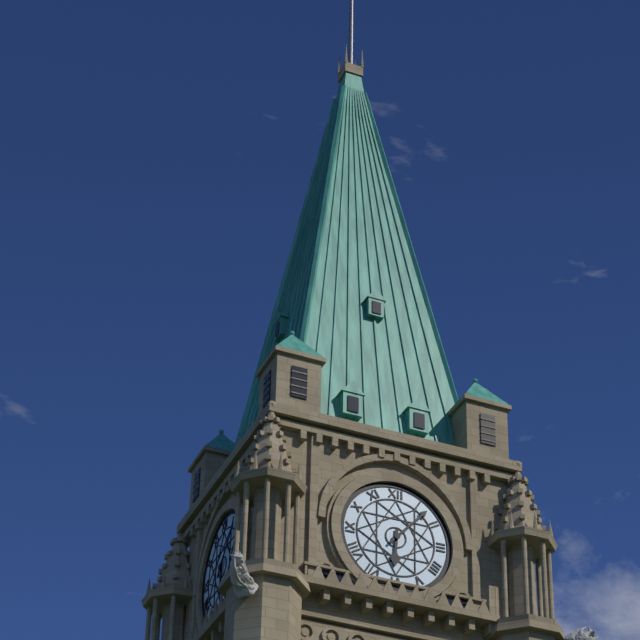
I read {"hour": 6, "minute": 7}
